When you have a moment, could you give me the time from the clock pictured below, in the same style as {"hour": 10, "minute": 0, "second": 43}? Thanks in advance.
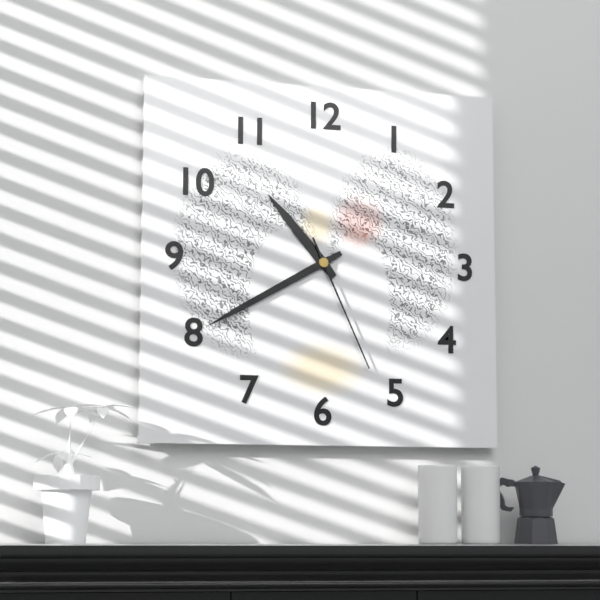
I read {"hour": 10, "minute": 40, "second": 26}
